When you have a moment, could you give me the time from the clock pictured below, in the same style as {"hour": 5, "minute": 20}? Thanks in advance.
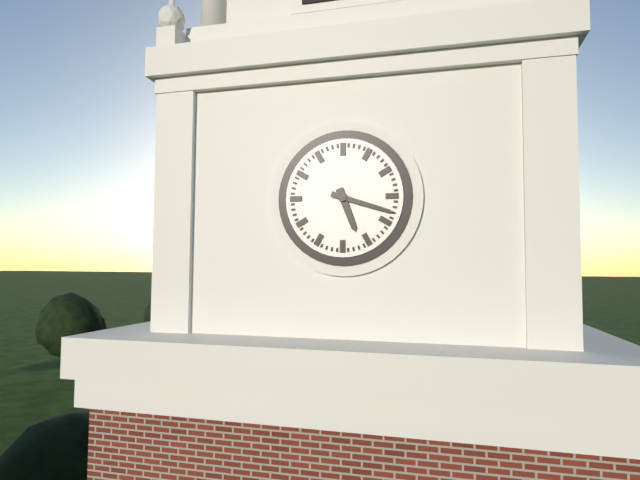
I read {"hour": 5, "minute": 18}
